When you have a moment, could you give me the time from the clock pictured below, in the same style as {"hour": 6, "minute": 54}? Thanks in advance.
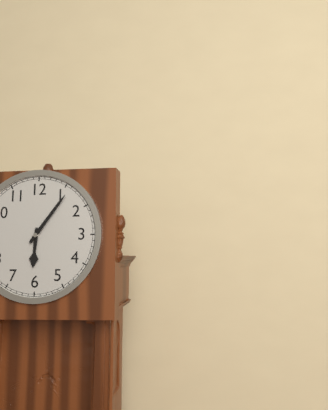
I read {"hour": 6, "minute": 6}
